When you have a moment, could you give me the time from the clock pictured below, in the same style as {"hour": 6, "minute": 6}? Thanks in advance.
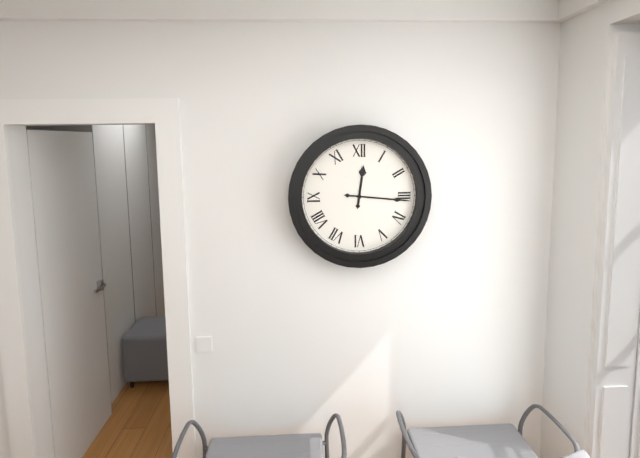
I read {"hour": 12, "minute": 16}
